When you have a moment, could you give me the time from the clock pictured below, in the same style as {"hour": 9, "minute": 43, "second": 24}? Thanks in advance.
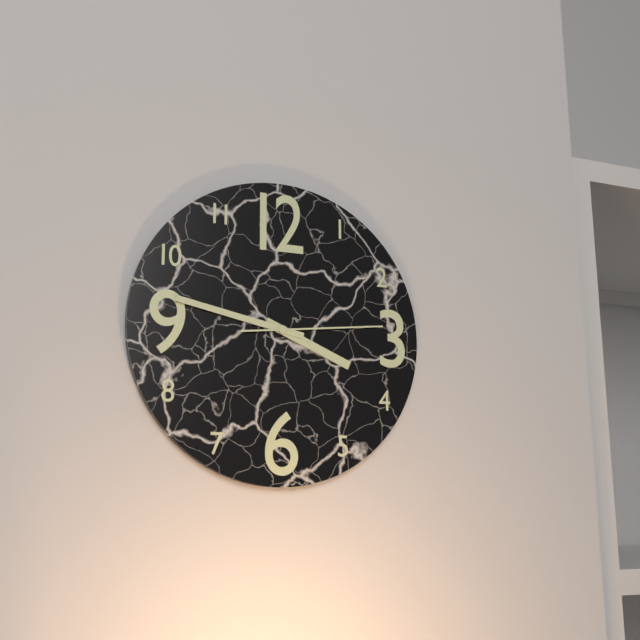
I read {"hour": 3, "minute": 47, "second": 14}
